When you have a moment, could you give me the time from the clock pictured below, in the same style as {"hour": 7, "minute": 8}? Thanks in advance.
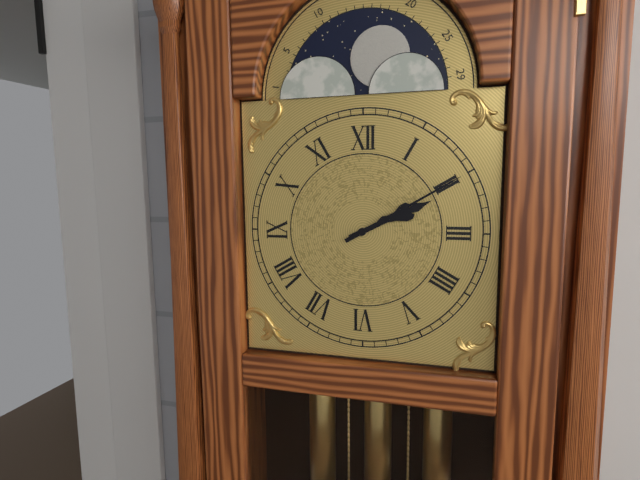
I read {"hour": 2, "minute": 10}
